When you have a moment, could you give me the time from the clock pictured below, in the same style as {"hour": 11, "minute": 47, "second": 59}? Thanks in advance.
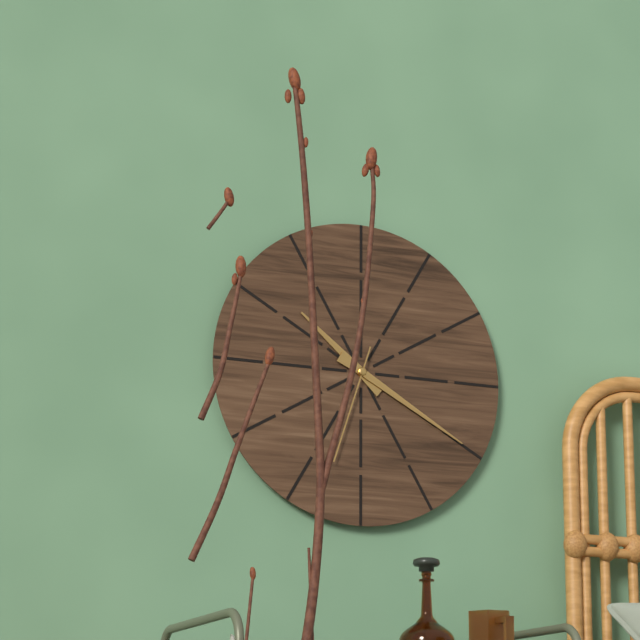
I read {"hour": 10, "minute": 20, "second": 33}
